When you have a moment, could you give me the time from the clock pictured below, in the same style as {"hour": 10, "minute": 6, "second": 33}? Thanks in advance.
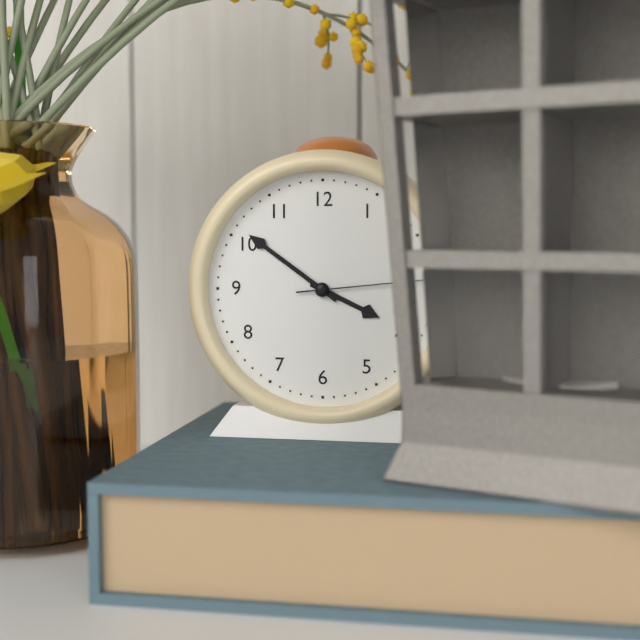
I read {"hour": 3, "minute": 51, "second": 14}
